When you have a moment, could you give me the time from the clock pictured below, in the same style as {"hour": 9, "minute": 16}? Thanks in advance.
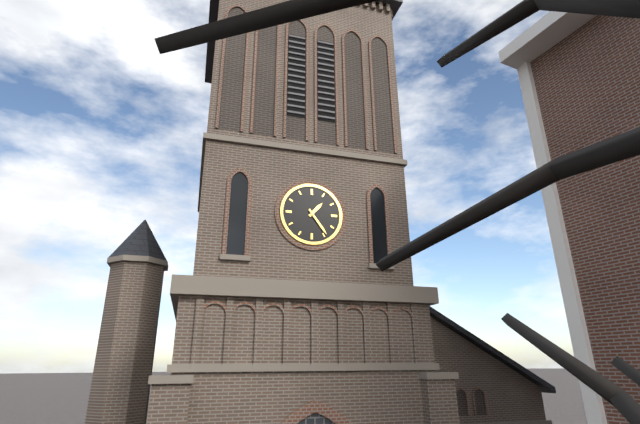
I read {"hour": 1, "minute": 24}
